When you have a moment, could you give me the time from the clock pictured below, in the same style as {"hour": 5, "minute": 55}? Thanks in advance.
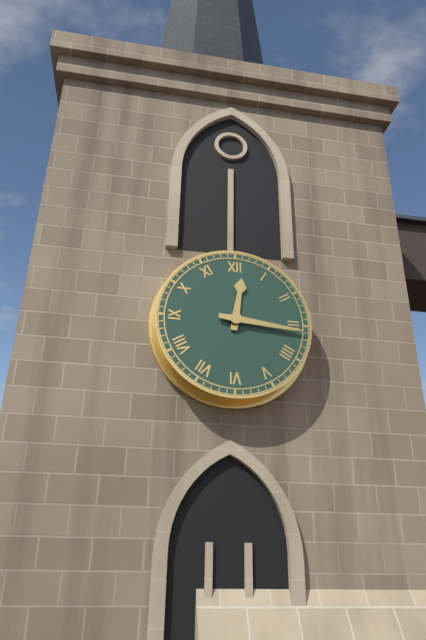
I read {"hour": 12, "minute": 16}
